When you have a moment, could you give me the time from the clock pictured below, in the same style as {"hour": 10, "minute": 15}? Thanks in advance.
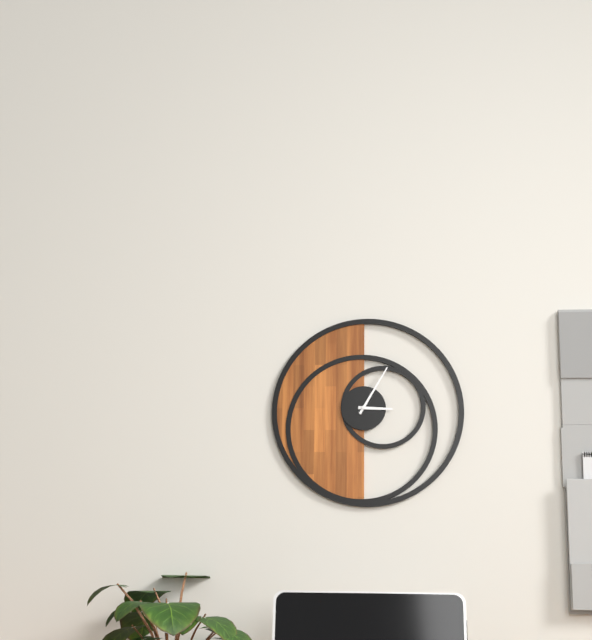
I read {"hour": 3, "minute": 5}
